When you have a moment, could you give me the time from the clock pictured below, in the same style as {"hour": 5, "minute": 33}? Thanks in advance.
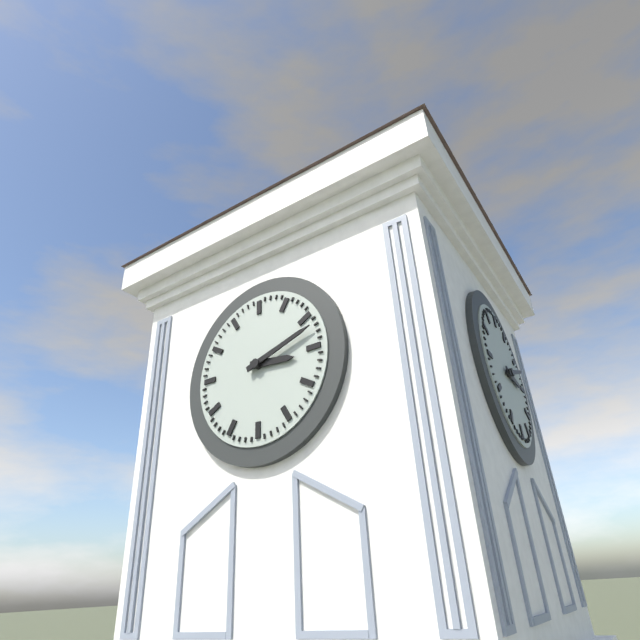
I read {"hour": 3, "minute": 12}
